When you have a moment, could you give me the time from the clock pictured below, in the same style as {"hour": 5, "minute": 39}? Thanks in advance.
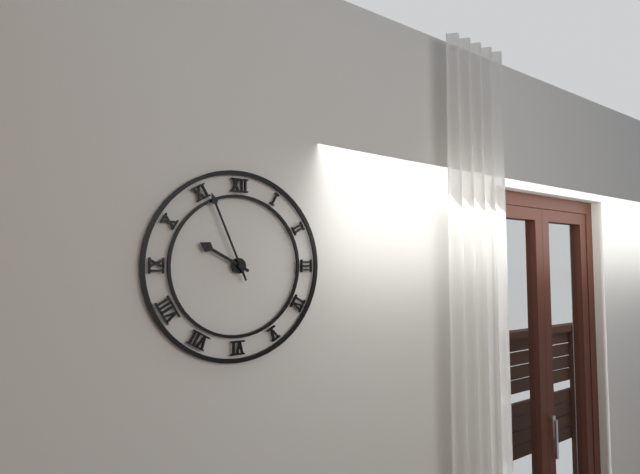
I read {"hour": 9, "minute": 56}
